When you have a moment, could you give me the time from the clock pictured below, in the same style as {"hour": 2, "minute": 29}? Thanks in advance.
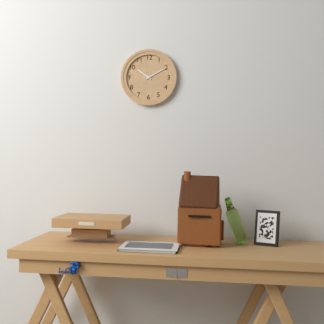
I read {"hour": 10, "minute": 10}
